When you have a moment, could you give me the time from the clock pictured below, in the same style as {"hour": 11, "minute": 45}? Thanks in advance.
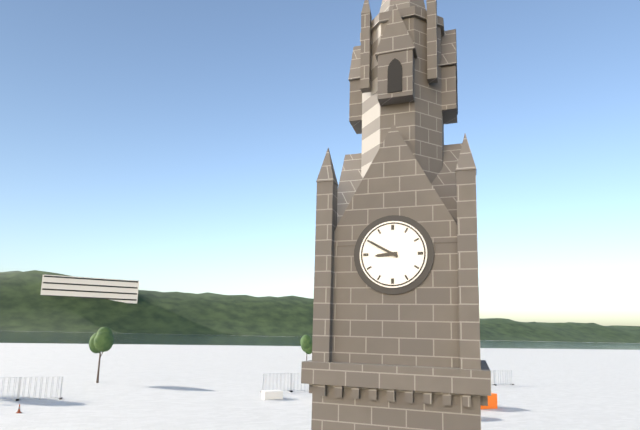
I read {"hour": 8, "minute": 50}
